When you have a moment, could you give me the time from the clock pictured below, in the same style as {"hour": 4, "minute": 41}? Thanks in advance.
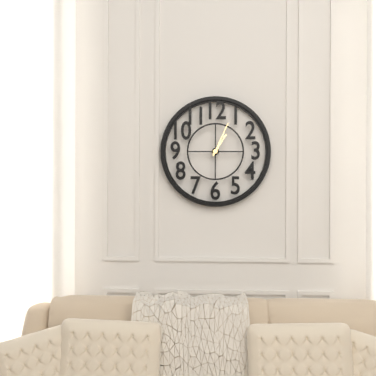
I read {"hour": 1, "minute": 4}
